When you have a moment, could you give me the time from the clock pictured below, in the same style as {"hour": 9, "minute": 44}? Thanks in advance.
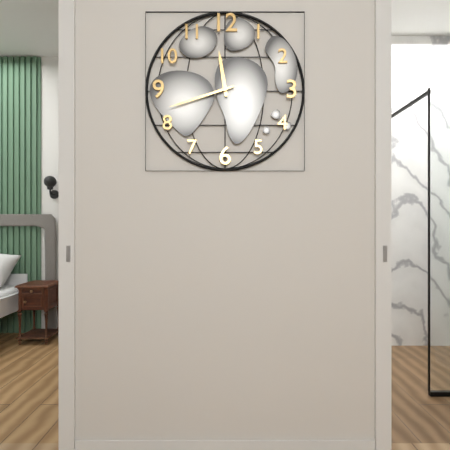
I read {"hour": 11, "minute": 42}
